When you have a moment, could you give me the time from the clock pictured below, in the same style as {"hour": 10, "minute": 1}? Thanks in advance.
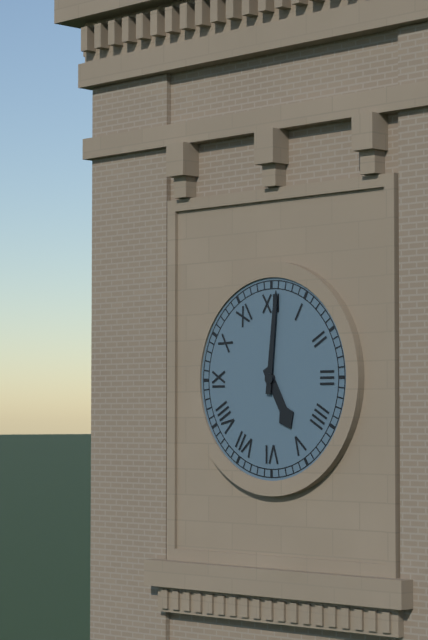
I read {"hour": 5, "minute": 1}
